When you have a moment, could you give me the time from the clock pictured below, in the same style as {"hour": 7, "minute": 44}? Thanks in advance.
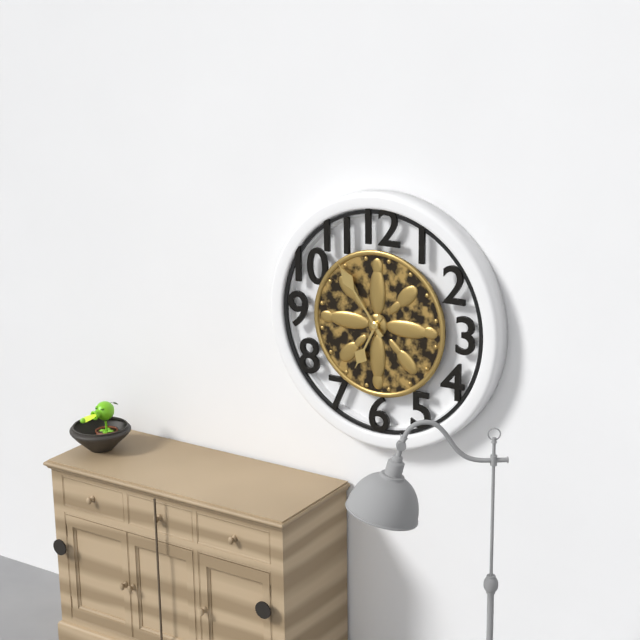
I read {"hour": 6, "minute": 54}
